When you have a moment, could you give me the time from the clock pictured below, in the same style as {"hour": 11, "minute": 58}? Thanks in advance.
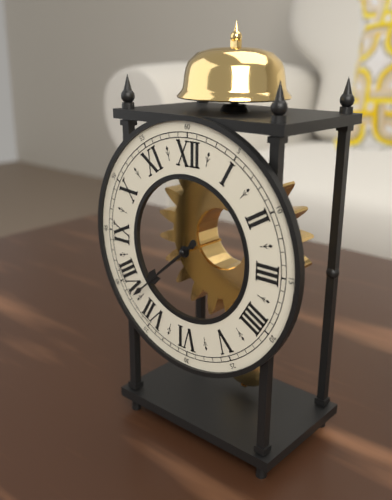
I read {"hour": 7, "minute": 38}
